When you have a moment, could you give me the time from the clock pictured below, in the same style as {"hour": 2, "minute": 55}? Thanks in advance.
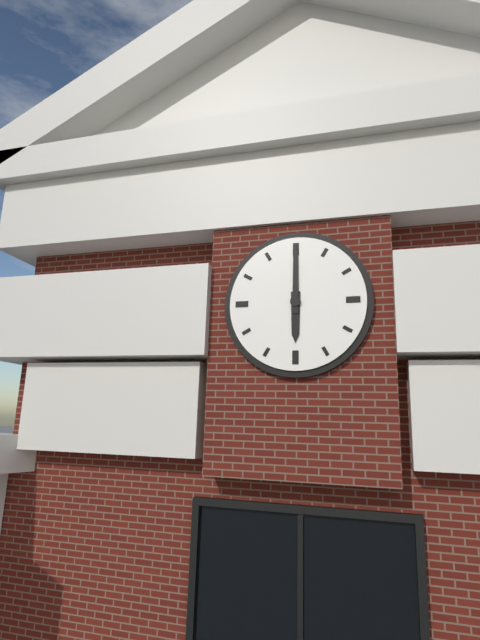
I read {"hour": 6, "minute": 0}
